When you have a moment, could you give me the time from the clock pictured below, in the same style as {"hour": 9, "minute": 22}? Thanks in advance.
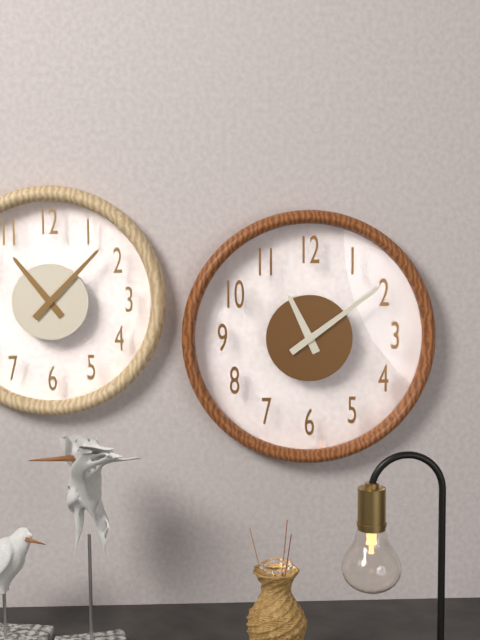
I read {"hour": 11, "minute": 9}
